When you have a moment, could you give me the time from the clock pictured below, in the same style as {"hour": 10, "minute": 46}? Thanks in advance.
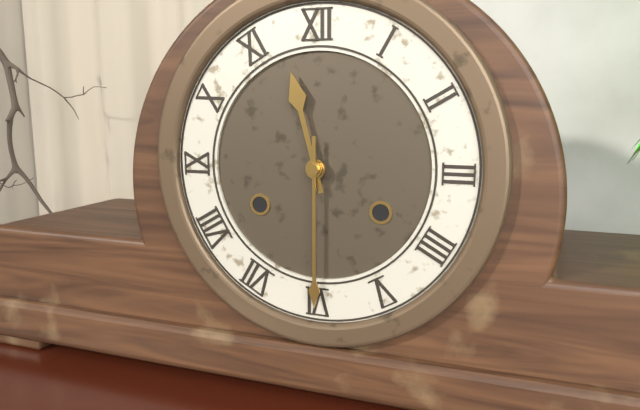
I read {"hour": 11, "minute": 30}
